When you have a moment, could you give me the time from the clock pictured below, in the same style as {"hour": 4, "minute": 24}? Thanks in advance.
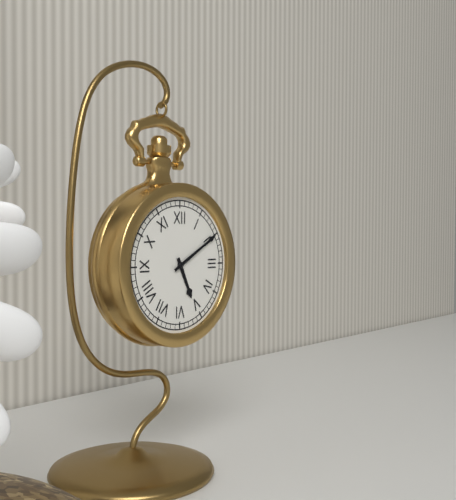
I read {"hour": 5, "minute": 10}
